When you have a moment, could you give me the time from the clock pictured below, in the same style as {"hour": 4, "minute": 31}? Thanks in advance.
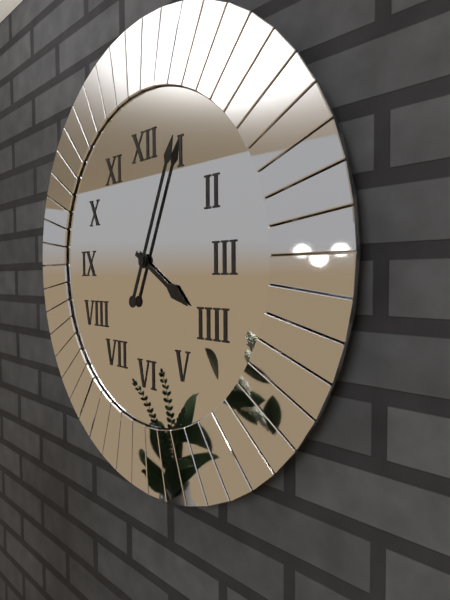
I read {"hour": 4, "minute": 4}
